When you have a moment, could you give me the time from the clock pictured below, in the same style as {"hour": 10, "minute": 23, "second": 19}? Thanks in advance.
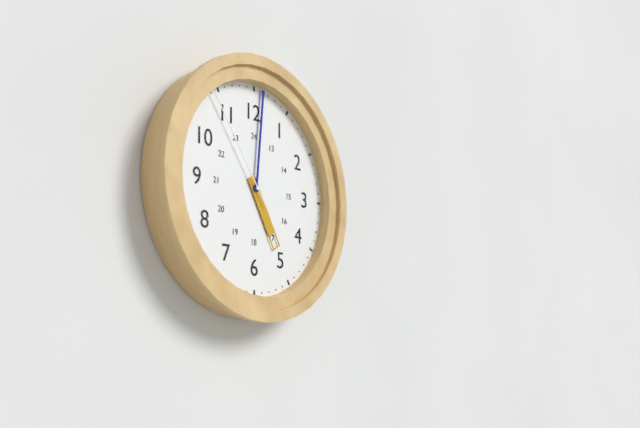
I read {"hour": 5, "minute": 1, "second": 54}
